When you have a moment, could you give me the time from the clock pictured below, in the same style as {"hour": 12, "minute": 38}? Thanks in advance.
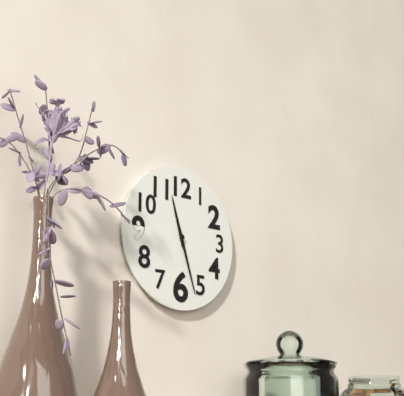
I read {"hour": 11, "minute": 27}
